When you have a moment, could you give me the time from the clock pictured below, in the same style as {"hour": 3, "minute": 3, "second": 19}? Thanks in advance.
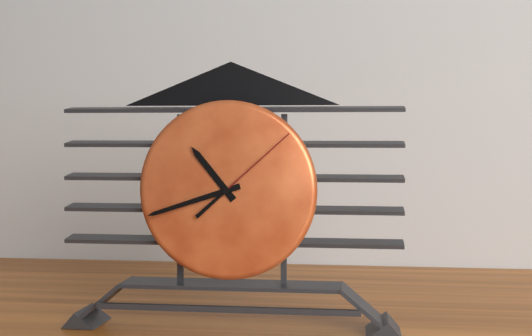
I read {"hour": 10, "minute": 42, "second": 8}
